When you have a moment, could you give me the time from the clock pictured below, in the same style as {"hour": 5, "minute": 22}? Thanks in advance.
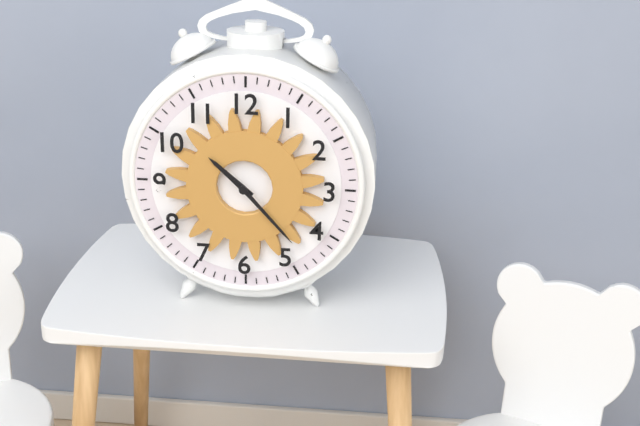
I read {"hour": 10, "minute": 23}
